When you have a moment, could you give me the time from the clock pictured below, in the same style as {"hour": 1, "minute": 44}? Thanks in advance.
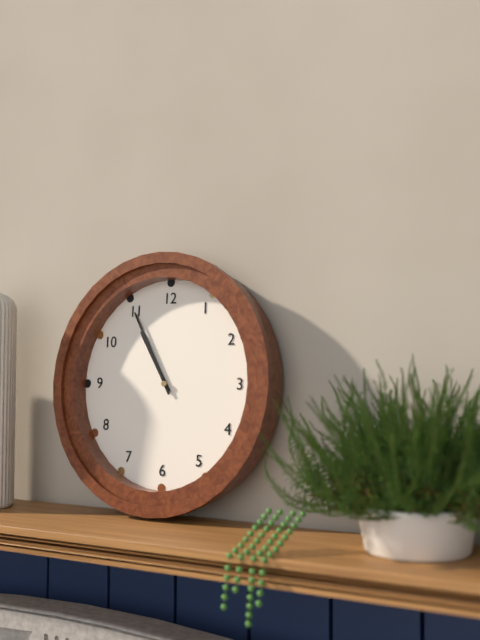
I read {"hour": 10, "minute": 55}
